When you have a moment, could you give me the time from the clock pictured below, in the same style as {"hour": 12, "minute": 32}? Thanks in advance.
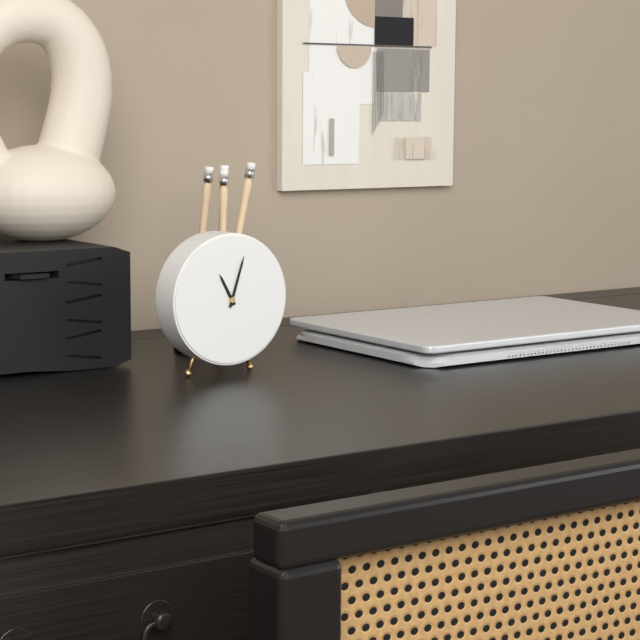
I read {"hour": 11, "minute": 3}
